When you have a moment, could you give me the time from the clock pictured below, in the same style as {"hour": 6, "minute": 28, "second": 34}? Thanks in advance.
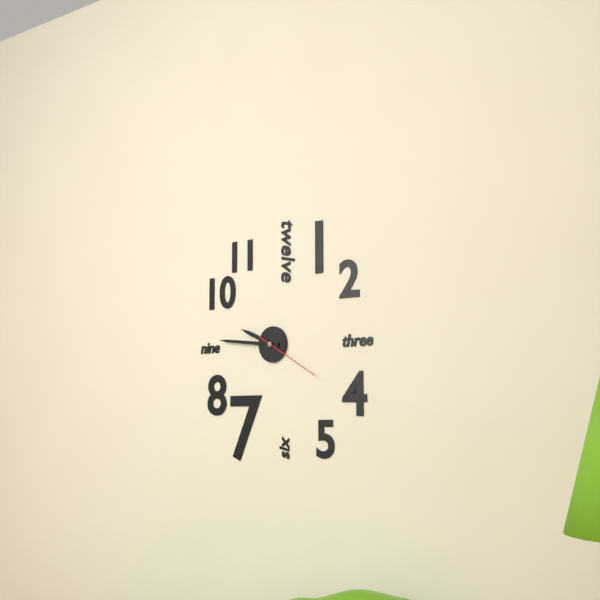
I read {"hour": 9, "minute": 46, "second": 20}
